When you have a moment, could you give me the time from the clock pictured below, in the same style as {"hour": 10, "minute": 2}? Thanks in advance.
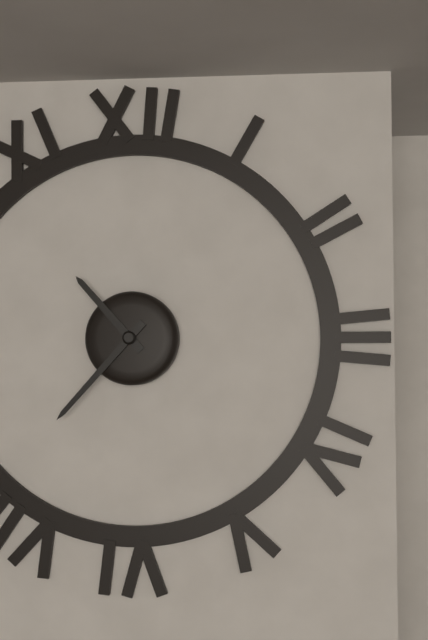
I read {"hour": 10, "minute": 37}
